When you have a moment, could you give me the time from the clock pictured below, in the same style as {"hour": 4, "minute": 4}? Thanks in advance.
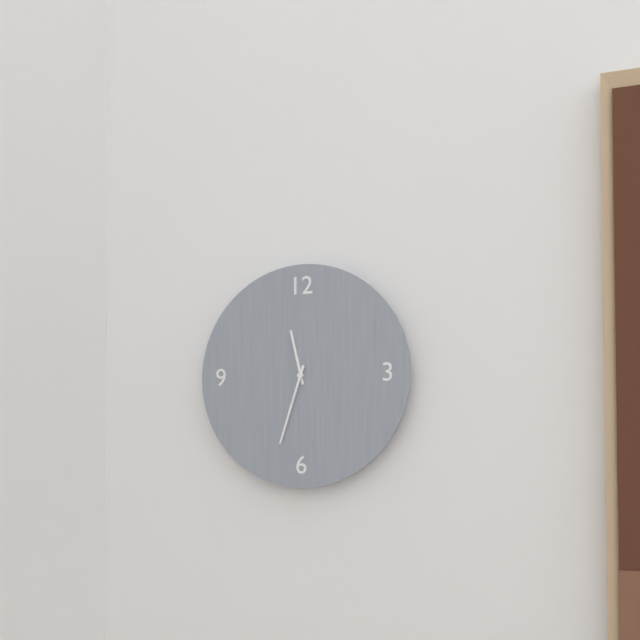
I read {"hour": 11, "minute": 33}
